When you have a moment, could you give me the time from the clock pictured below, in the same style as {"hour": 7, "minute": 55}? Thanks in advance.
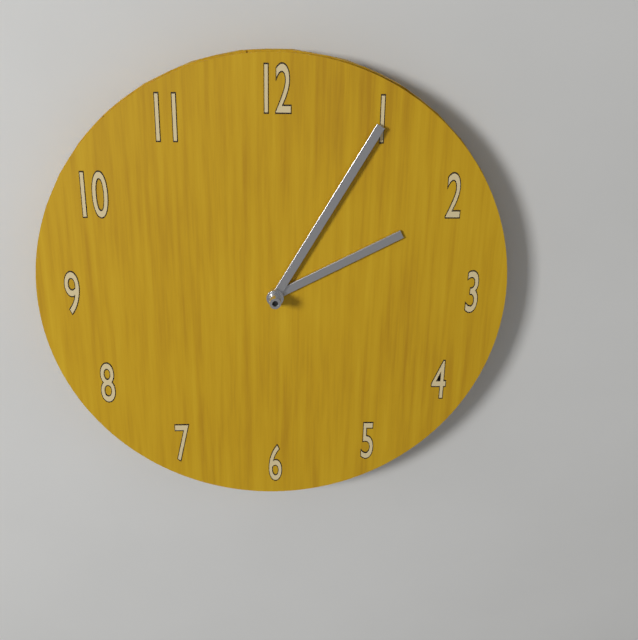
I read {"hour": 2, "minute": 5}
